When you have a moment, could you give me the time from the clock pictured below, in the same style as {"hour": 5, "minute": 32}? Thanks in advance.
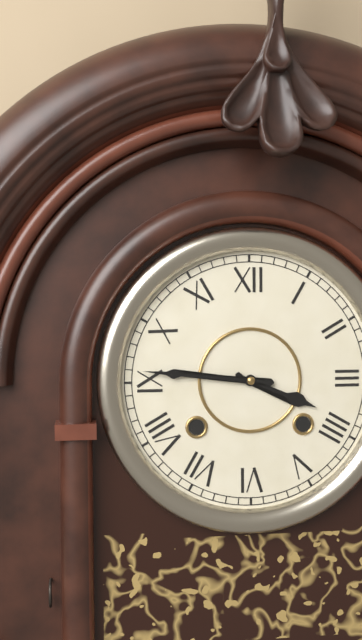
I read {"hour": 3, "minute": 46}
